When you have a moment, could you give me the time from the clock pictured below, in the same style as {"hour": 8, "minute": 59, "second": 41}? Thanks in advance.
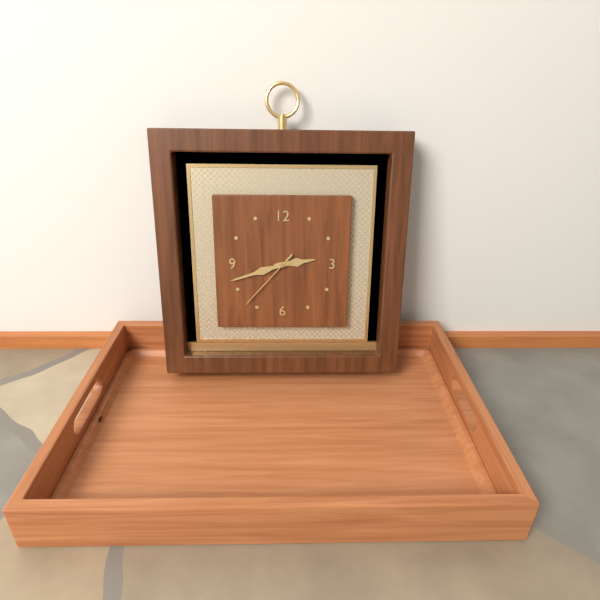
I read {"hour": 2, "minute": 42, "second": 37}
